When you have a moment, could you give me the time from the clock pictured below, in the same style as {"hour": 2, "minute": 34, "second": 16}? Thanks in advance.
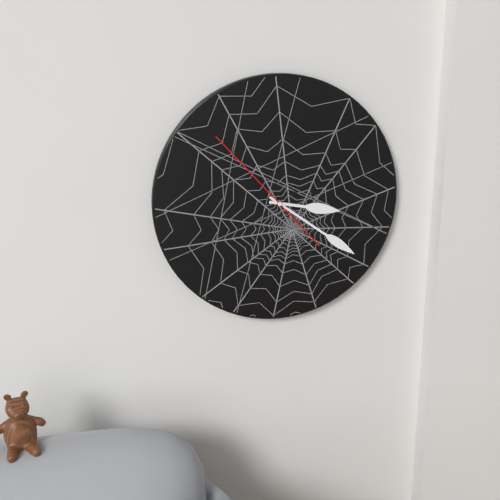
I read {"hour": 3, "minute": 21, "second": 53}
